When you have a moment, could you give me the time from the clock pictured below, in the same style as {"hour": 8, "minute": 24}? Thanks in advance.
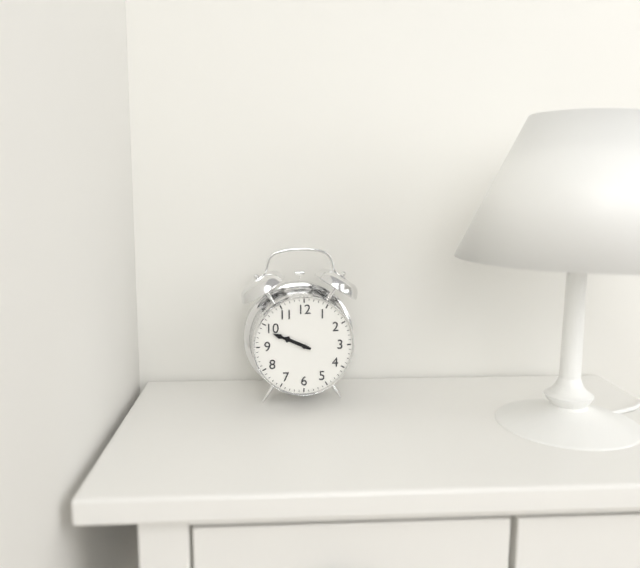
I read {"hour": 9, "minute": 49}
